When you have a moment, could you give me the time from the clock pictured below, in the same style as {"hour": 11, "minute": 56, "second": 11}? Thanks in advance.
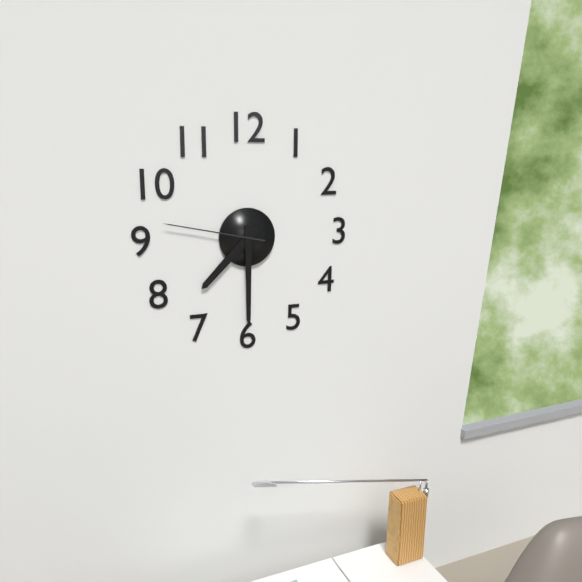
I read {"hour": 7, "minute": 30, "second": 47}
